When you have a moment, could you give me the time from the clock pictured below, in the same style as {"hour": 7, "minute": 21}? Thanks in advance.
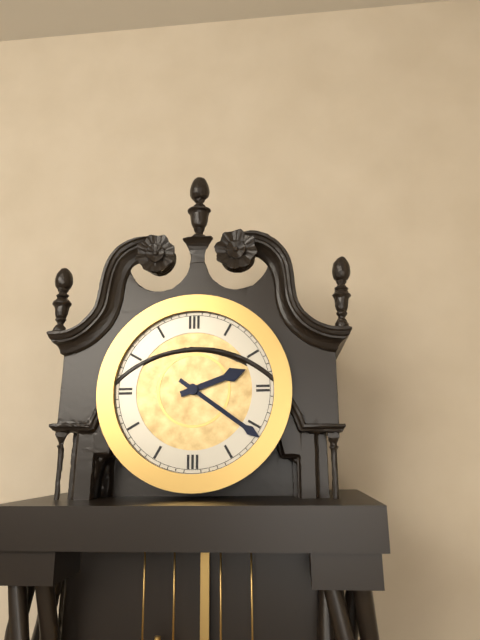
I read {"hour": 2, "minute": 21}
